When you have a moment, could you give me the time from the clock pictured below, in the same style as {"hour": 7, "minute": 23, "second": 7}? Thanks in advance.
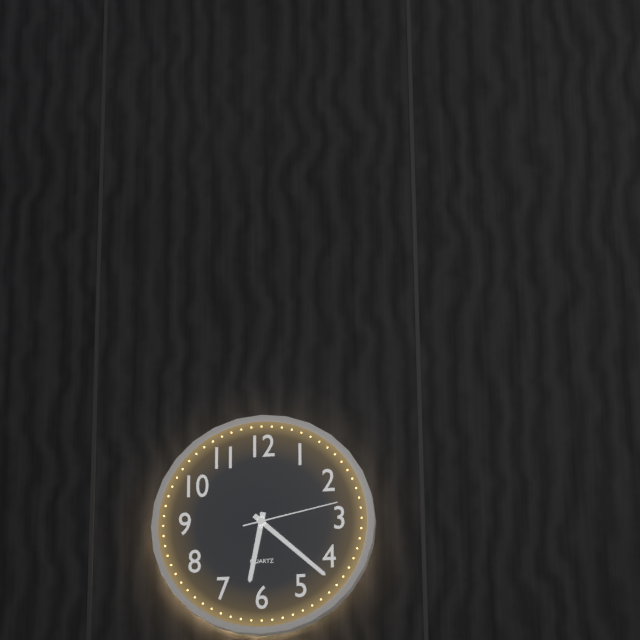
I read {"hour": 6, "minute": 22, "second": 13}
